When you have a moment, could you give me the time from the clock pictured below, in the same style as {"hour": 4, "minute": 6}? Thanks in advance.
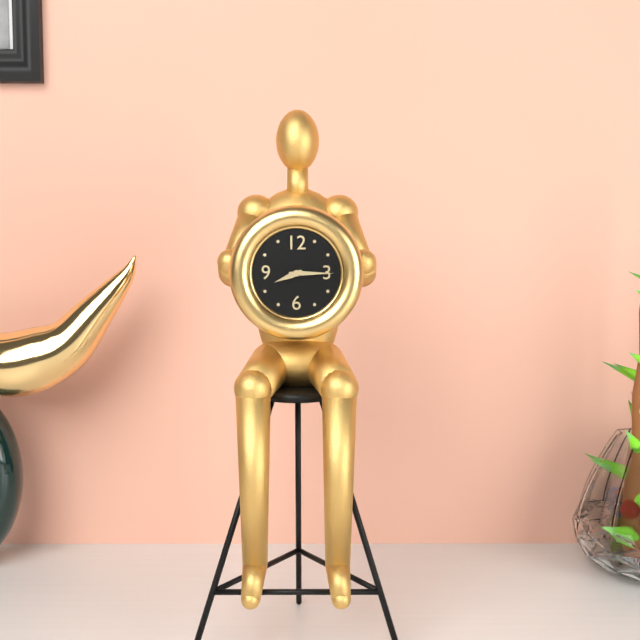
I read {"hour": 8, "minute": 15}
